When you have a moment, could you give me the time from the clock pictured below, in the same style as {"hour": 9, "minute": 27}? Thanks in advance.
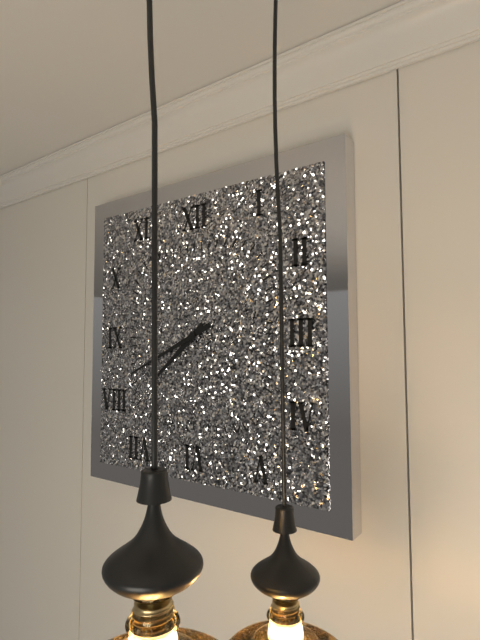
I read {"hour": 7, "minute": 41}
